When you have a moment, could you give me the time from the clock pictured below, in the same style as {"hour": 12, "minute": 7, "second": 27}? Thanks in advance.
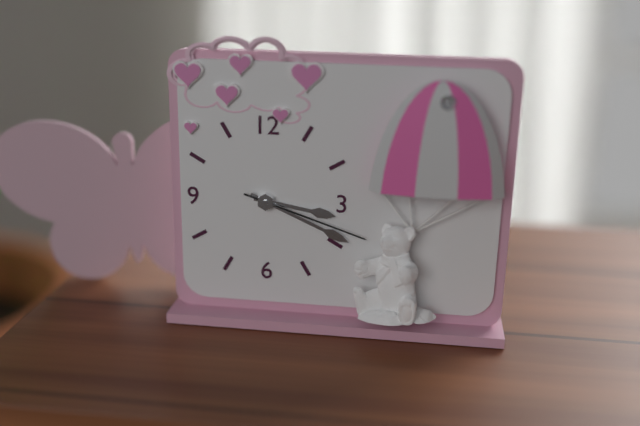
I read {"hour": 3, "minute": 19, "second": 18}
